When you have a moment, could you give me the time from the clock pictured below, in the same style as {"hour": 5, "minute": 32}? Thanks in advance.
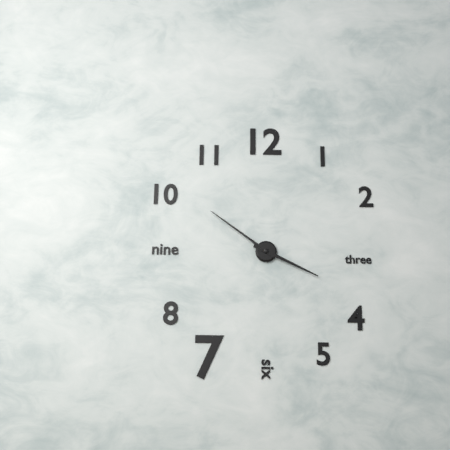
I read {"hour": 3, "minute": 51}
